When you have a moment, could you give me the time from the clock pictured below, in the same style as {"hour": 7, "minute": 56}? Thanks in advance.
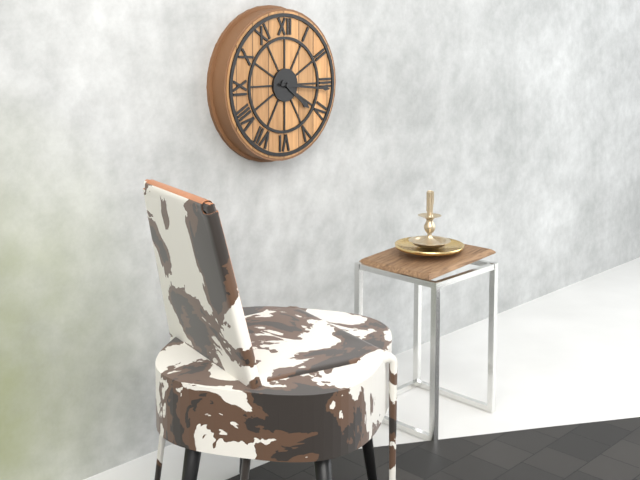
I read {"hour": 4, "minute": 16}
